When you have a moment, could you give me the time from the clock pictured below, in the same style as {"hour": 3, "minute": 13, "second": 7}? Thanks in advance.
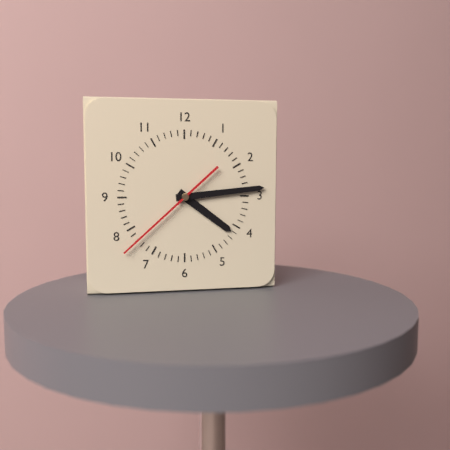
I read {"hour": 4, "minute": 14, "second": 38}
